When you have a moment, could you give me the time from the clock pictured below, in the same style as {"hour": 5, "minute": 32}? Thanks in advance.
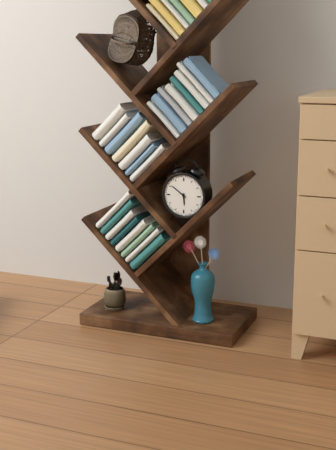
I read {"hour": 5, "minute": 51}
